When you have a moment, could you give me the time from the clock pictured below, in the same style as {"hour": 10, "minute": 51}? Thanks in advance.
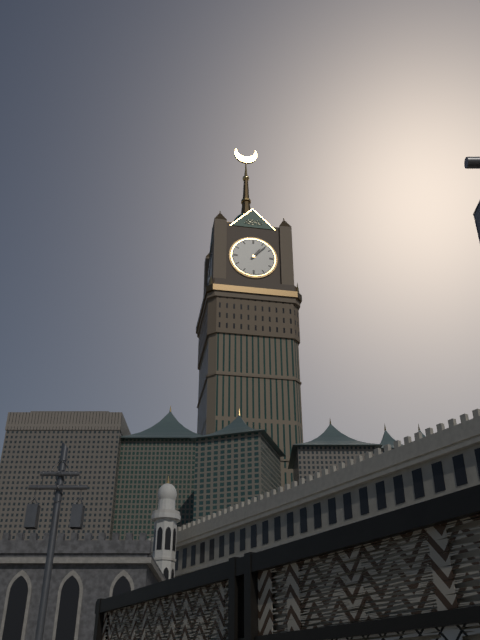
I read {"hour": 1, "minute": 7}
